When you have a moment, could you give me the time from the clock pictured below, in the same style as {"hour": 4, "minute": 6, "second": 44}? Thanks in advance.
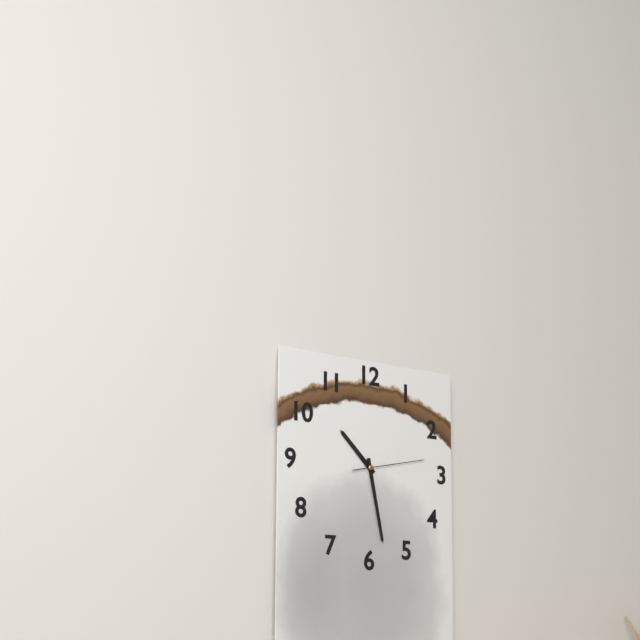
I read {"hour": 10, "minute": 28, "second": 13}
